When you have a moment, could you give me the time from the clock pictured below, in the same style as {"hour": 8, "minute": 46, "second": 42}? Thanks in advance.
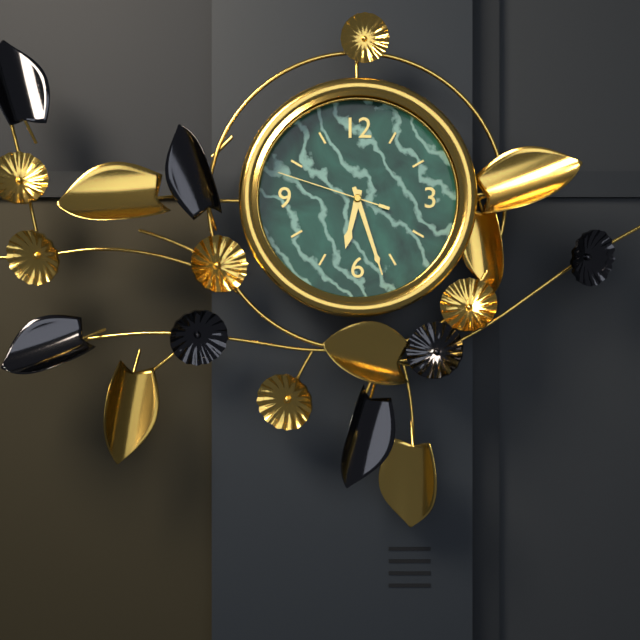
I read {"hour": 6, "minute": 27, "second": 48}
